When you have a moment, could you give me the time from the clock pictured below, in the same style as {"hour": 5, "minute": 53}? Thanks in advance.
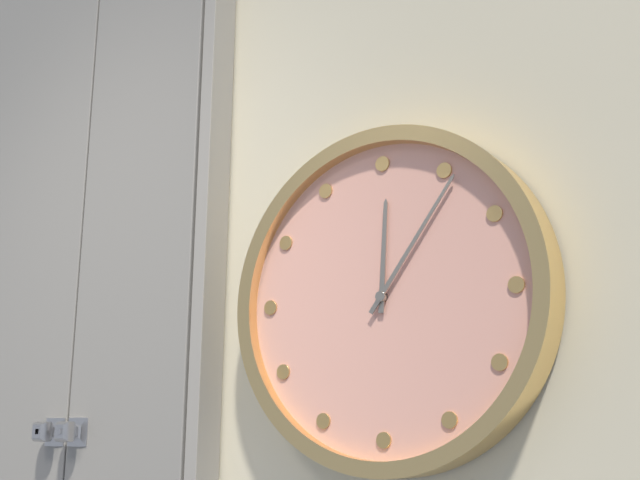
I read {"hour": 12, "minute": 6}
